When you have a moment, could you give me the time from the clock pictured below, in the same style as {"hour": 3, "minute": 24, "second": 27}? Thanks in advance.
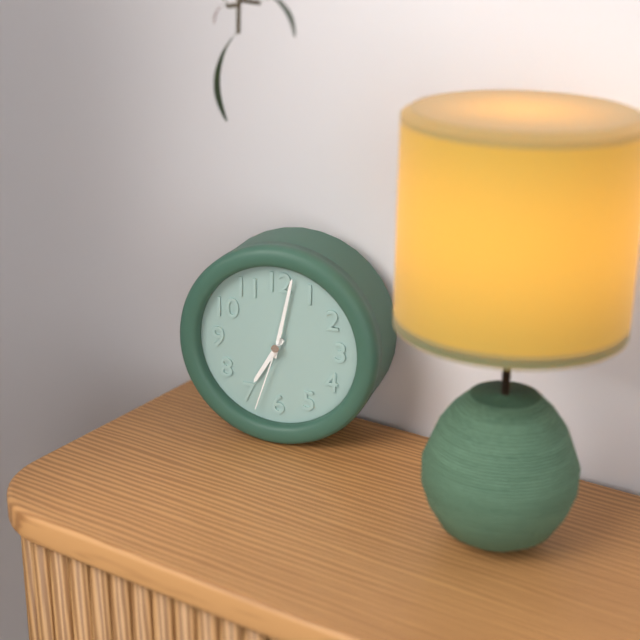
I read {"hour": 7, "minute": 2, "second": 33}
